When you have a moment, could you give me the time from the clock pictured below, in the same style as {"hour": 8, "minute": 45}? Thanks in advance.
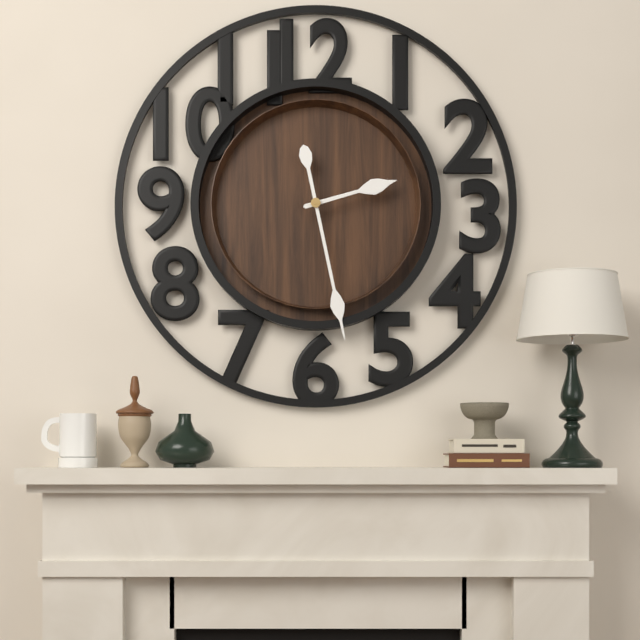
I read {"hour": 2, "minute": 28}
